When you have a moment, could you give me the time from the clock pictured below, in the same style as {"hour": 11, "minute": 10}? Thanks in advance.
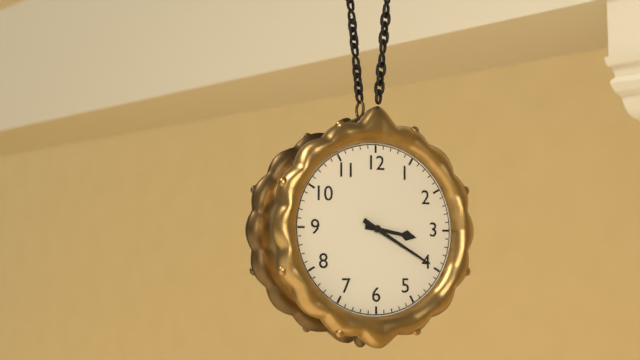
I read {"hour": 3, "minute": 20}
